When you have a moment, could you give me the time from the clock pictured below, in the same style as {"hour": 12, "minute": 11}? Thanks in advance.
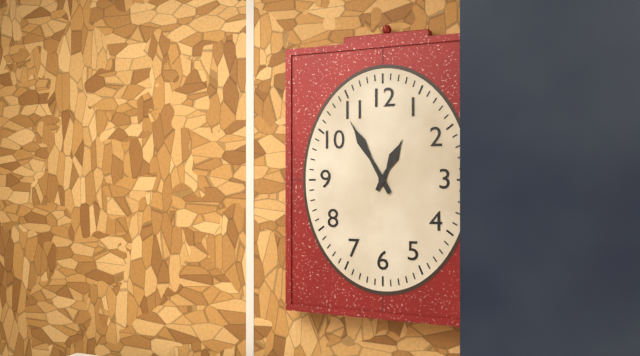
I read {"hour": 12, "minute": 55}
